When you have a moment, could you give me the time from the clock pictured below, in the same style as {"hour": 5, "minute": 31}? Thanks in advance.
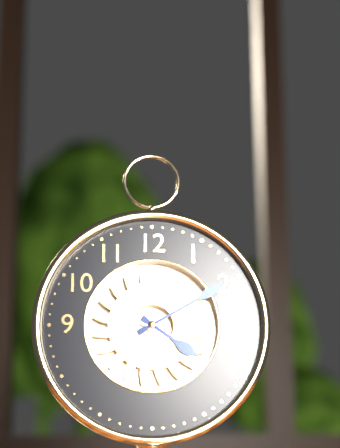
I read {"hour": 4, "minute": 10}
